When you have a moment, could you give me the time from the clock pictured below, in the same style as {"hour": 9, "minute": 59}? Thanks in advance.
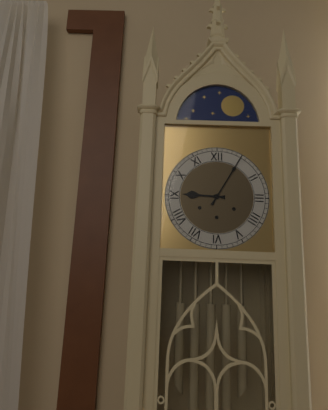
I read {"hour": 9, "minute": 5}
